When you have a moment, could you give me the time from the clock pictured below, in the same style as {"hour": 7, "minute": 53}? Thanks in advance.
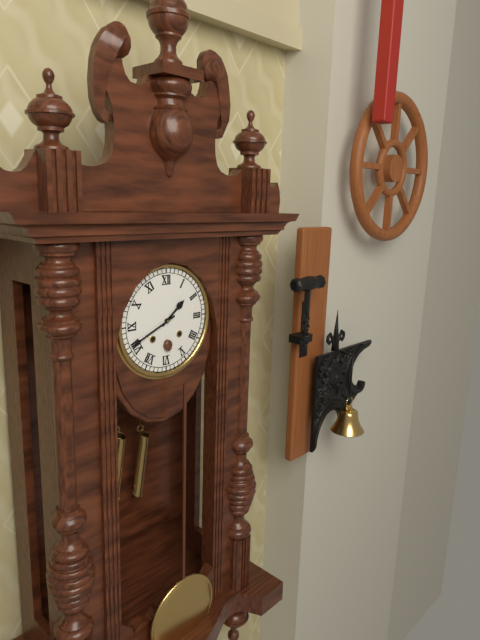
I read {"hour": 1, "minute": 41}
